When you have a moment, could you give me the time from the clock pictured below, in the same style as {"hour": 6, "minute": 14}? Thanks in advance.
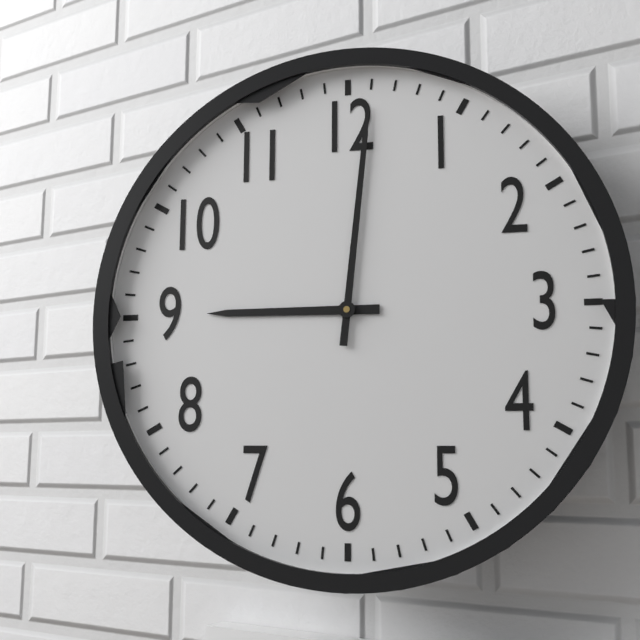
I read {"hour": 9, "minute": 1}
